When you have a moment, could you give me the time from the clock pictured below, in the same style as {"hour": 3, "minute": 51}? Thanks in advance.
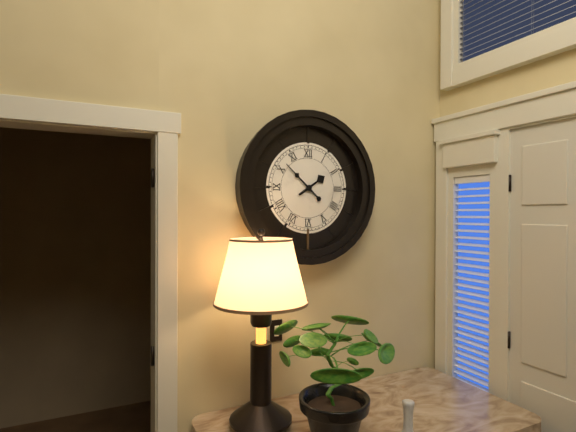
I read {"hour": 1, "minute": 52}
